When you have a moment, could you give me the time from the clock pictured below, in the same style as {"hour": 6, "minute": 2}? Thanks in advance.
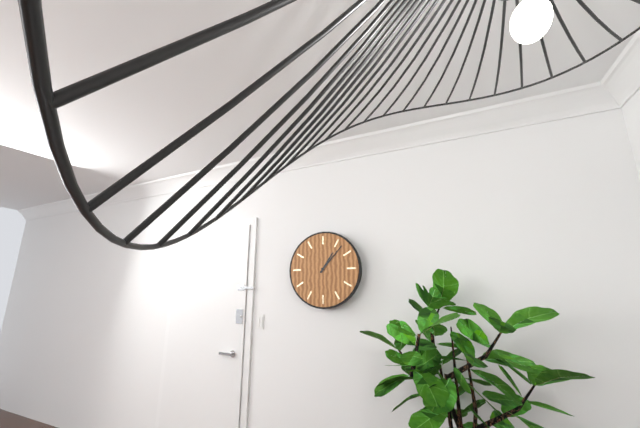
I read {"hour": 1, "minute": 7}
